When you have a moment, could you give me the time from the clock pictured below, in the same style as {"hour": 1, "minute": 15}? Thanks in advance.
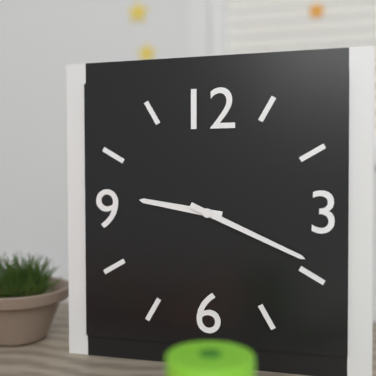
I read {"hour": 9, "minute": 19}
